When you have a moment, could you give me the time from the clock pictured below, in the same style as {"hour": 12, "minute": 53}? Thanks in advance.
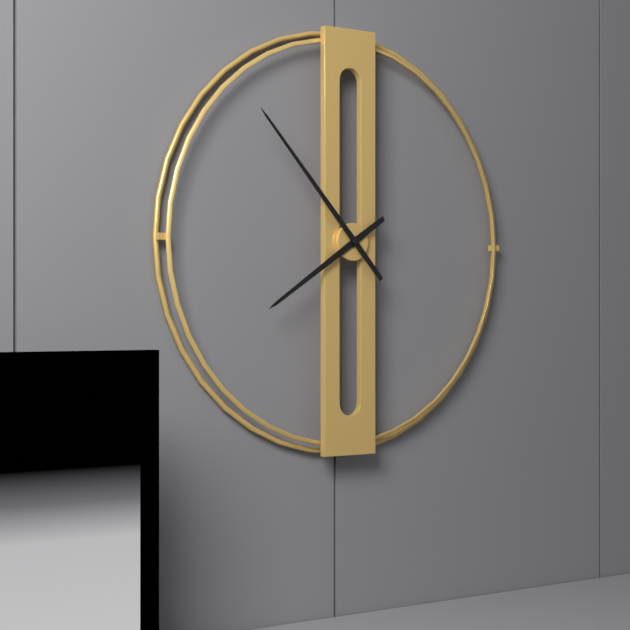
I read {"hour": 7, "minute": 53}
